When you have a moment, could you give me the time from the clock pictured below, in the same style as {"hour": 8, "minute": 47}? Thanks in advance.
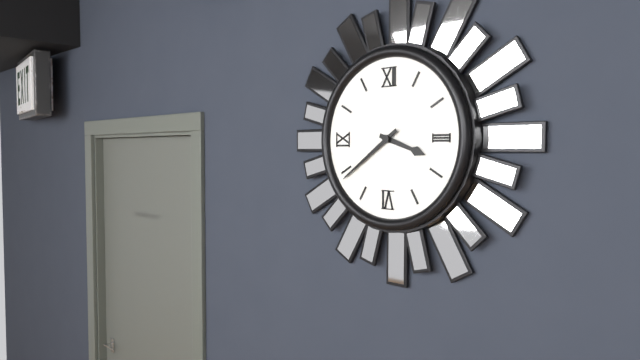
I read {"hour": 3, "minute": 39}
